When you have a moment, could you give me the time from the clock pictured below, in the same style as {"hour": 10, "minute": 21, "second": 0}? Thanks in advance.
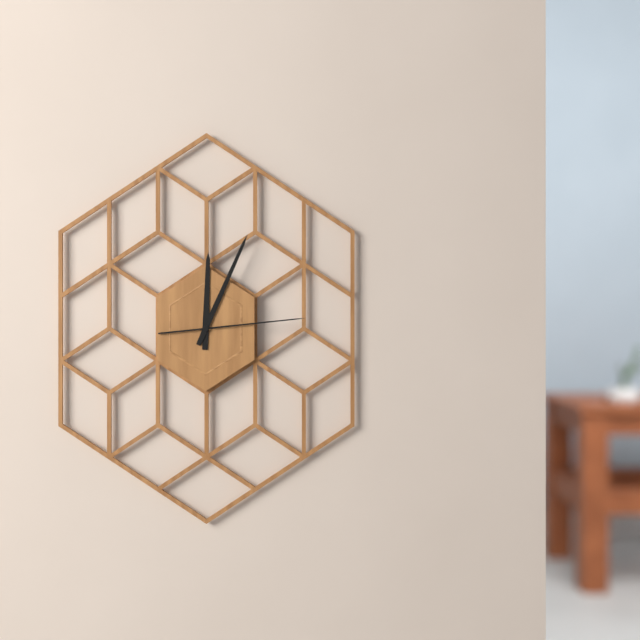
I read {"hour": 12, "minute": 4, "second": 14}
